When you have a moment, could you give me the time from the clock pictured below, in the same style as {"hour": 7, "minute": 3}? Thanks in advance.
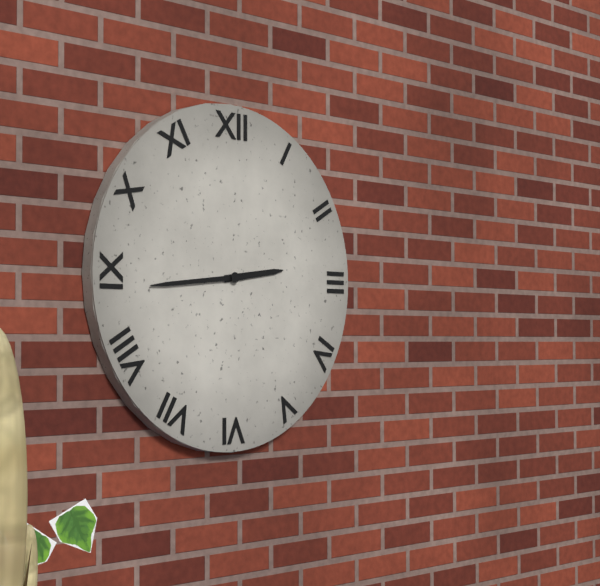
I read {"hour": 2, "minute": 44}
